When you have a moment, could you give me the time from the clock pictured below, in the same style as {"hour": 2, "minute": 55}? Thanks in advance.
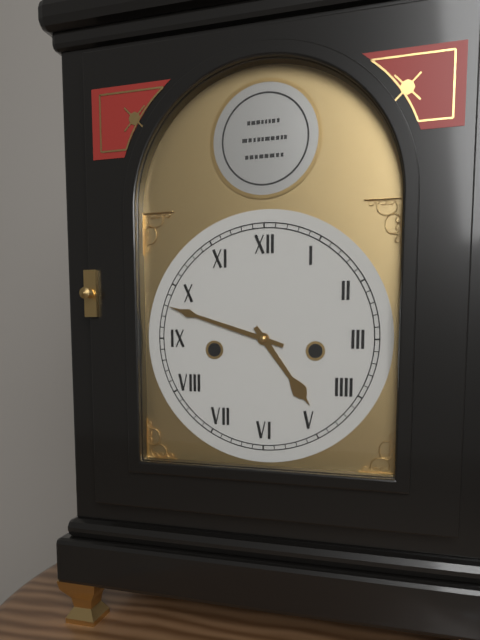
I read {"hour": 4, "minute": 48}
